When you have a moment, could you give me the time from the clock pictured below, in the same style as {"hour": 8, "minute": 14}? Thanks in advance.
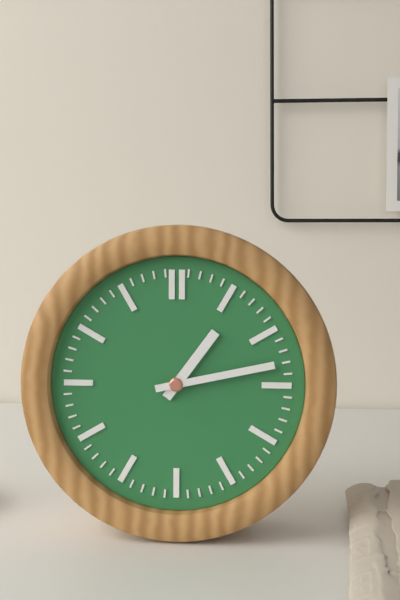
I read {"hour": 1, "minute": 13}
